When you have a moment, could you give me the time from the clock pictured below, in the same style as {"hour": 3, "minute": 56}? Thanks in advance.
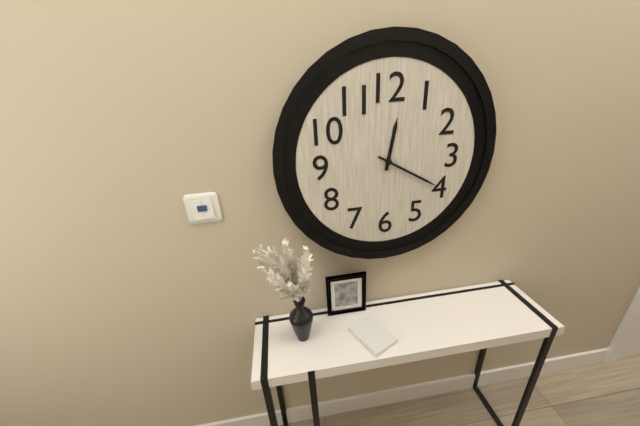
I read {"hour": 12, "minute": 20}
